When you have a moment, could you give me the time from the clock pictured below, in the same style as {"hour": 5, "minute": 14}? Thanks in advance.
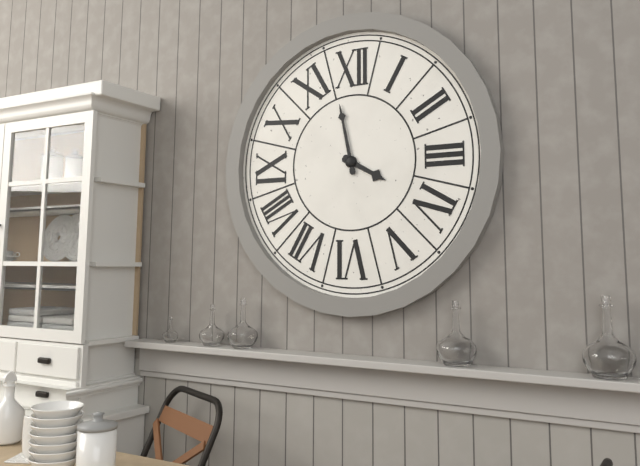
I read {"hour": 3, "minute": 58}
